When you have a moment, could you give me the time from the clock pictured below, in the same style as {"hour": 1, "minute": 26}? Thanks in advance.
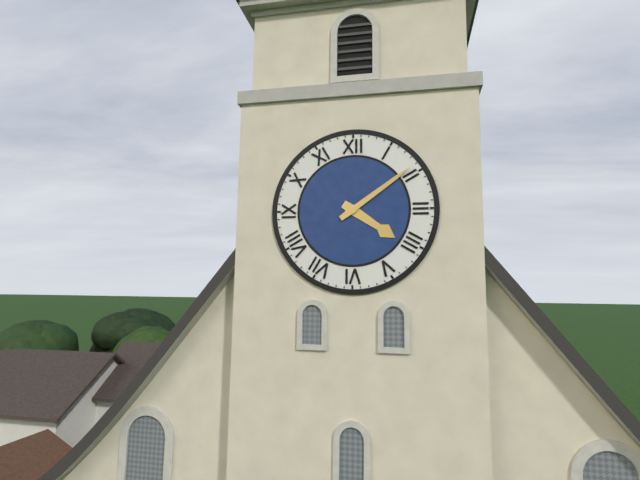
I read {"hour": 4, "minute": 9}
